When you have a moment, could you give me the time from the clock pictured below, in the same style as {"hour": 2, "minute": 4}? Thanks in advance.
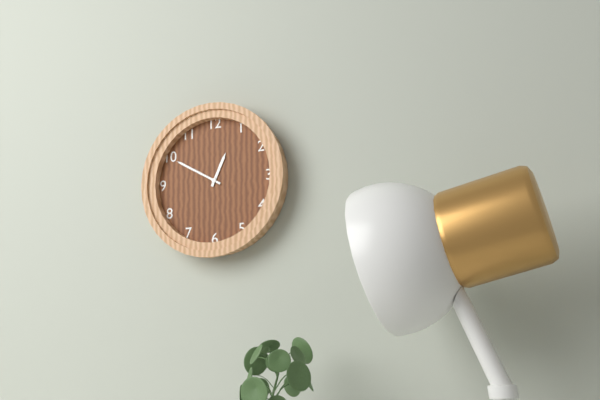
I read {"hour": 12, "minute": 50}
